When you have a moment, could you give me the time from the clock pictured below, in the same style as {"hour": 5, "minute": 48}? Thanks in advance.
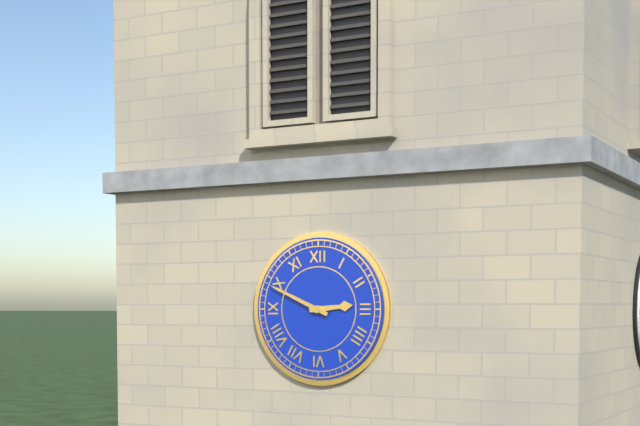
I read {"hour": 2, "minute": 49}
